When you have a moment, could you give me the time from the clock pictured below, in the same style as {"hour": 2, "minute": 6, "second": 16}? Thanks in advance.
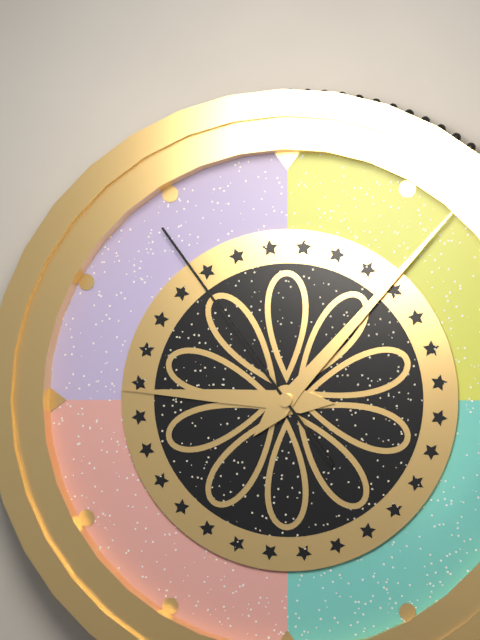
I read {"hour": 9, "minute": 7, "second": 54}
